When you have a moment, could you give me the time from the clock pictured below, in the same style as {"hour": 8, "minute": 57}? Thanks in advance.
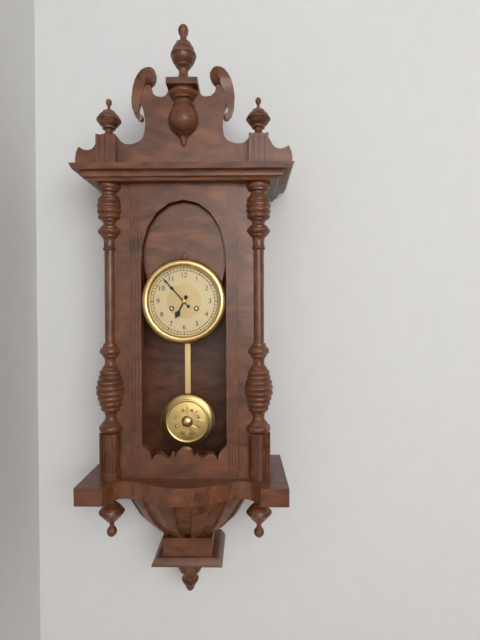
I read {"hour": 6, "minute": 53}
